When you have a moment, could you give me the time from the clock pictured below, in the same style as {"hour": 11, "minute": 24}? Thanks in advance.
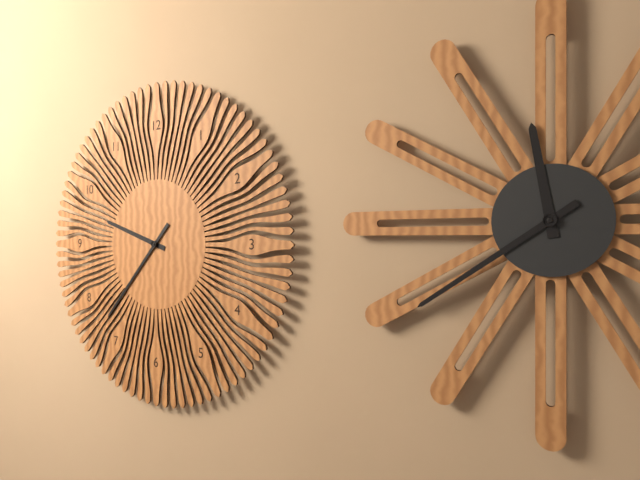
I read {"hour": 9, "minute": 37}
